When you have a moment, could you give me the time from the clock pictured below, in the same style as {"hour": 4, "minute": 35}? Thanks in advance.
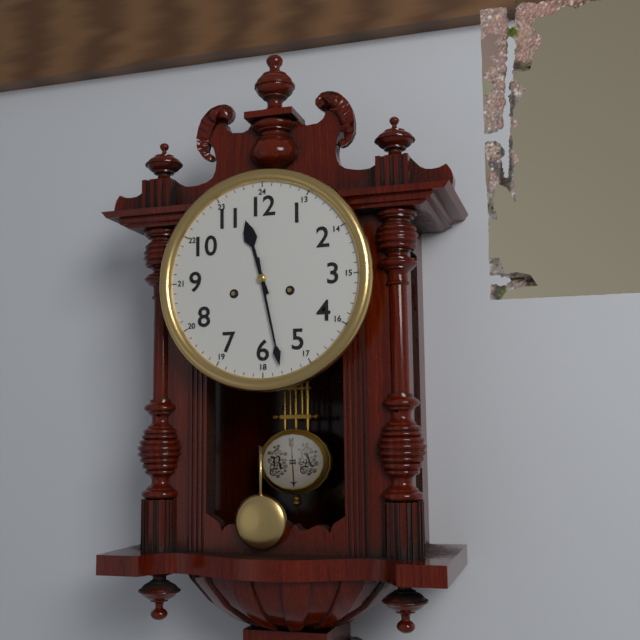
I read {"hour": 11, "minute": 28}
